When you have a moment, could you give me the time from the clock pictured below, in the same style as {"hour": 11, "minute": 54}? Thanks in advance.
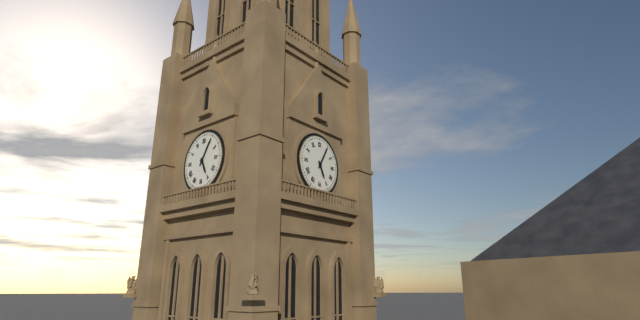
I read {"hour": 5, "minute": 5}
